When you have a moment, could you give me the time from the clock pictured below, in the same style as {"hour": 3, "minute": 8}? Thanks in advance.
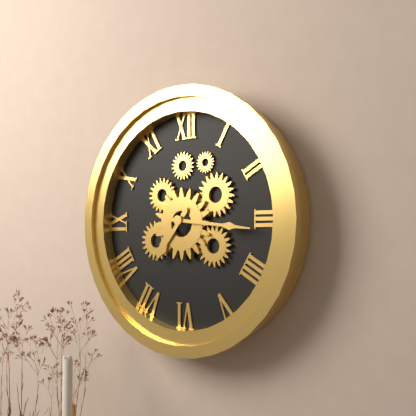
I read {"hour": 7, "minute": 16}
